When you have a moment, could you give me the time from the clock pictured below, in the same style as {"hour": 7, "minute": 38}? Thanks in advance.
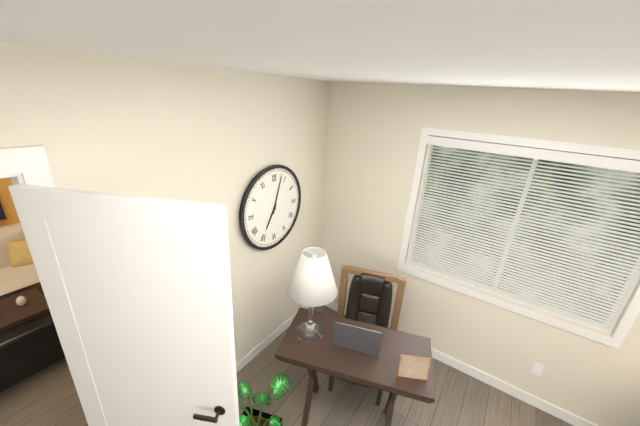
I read {"hour": 7, "minute": 3}
